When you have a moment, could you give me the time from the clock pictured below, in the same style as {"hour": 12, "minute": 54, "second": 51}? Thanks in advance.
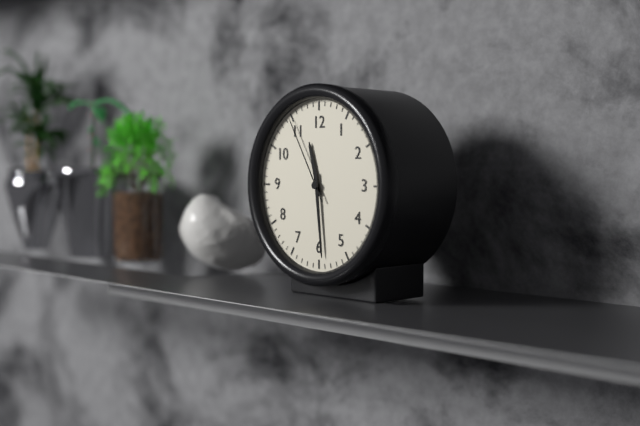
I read {"hour": 11, "minute": 29, "second": 55}
